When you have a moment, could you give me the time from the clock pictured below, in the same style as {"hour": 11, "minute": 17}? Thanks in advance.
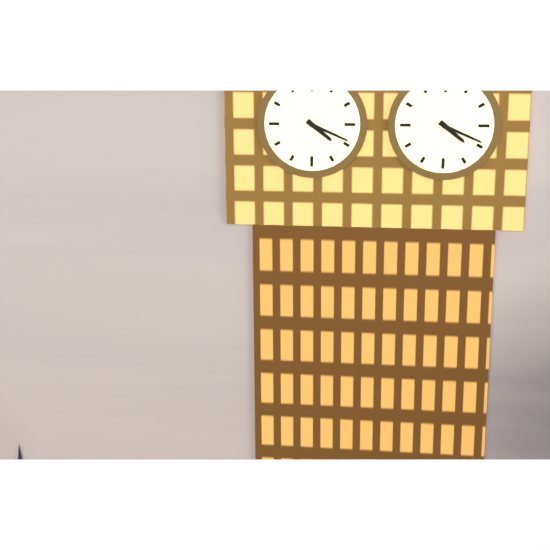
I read {"hour": 4, "minute": 19}
